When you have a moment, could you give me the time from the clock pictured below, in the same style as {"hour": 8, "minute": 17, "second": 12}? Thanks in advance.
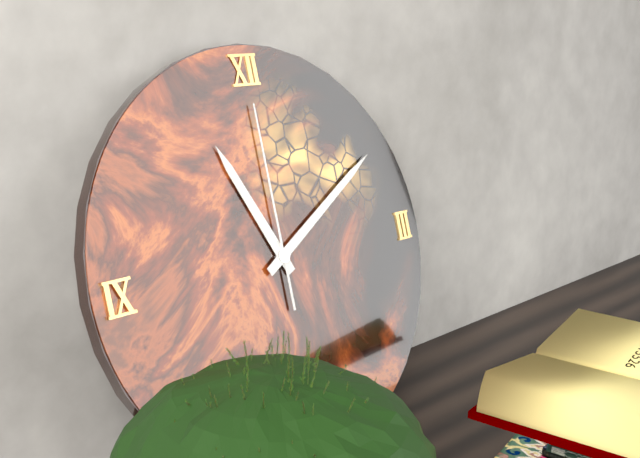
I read {"hour": 11, "minute": 10, "second": 0}
